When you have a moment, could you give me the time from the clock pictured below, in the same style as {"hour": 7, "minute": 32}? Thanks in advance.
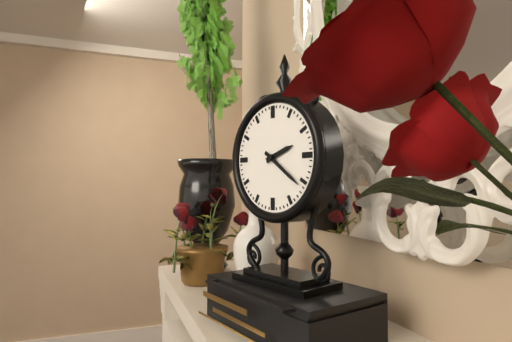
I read {"hour": 2, "minute": 21}
